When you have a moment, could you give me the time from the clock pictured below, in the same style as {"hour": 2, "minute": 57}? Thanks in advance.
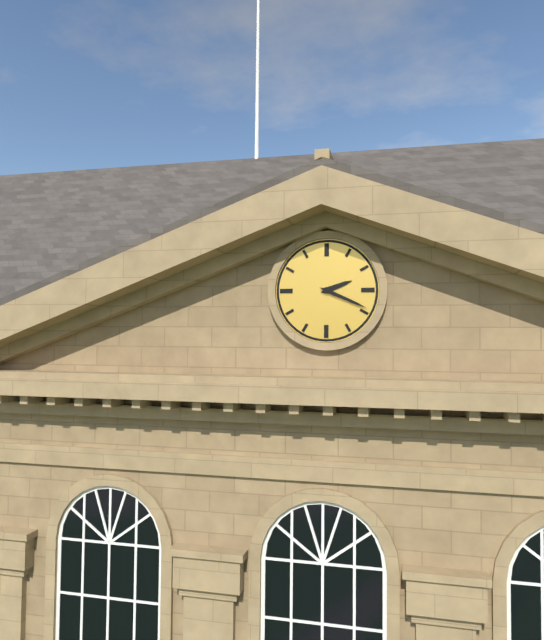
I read {"hour": 2, "minute": 19}
